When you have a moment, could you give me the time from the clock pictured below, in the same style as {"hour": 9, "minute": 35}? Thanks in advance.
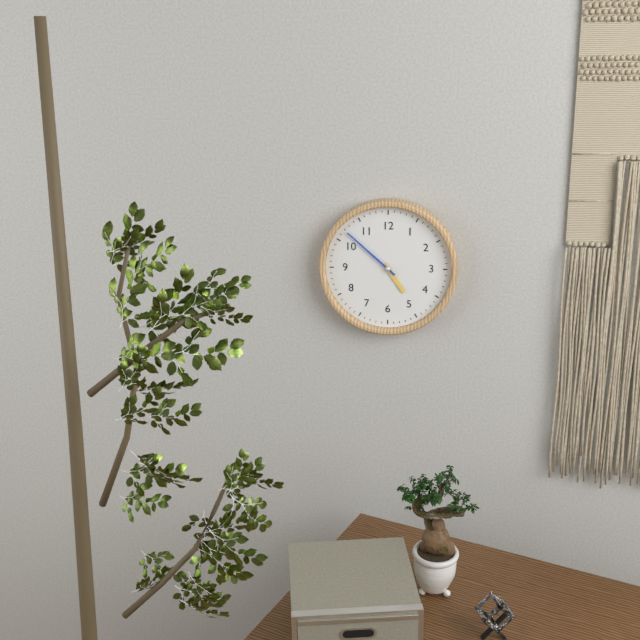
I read {"hour": 4, "minute": 52}
